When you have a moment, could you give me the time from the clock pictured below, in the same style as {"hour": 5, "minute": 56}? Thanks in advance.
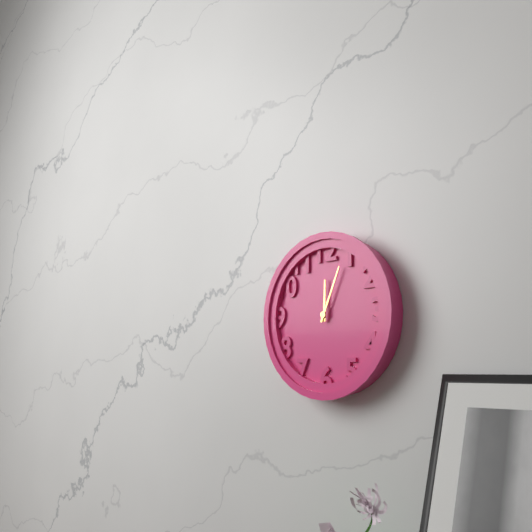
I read {"hour": 12, "minute": 4}
